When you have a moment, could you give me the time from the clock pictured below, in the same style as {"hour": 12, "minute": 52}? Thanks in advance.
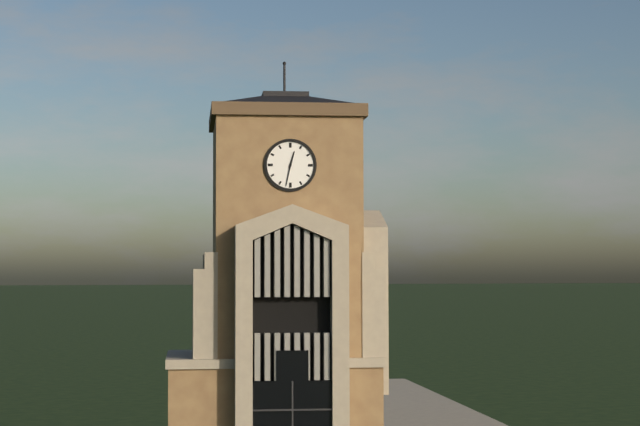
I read {"hour": 12, "minute": 32}
